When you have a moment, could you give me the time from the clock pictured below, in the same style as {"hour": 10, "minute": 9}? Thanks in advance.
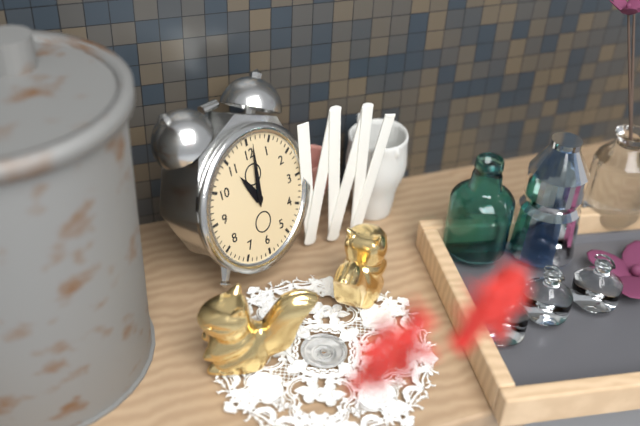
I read {"hour": 11, "minute": 1}
